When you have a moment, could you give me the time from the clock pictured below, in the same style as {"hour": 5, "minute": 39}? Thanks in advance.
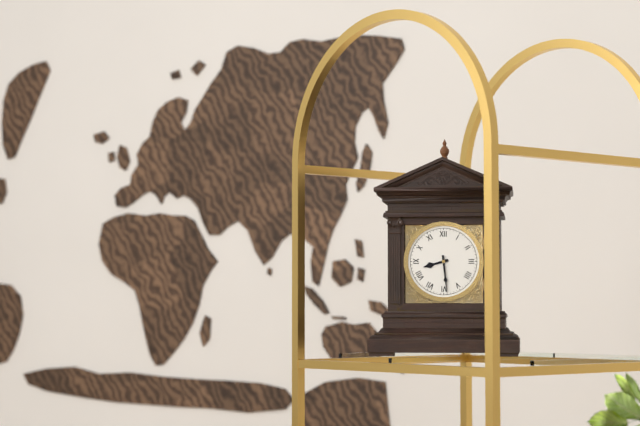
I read {"hour": 8, "minute": 29}
